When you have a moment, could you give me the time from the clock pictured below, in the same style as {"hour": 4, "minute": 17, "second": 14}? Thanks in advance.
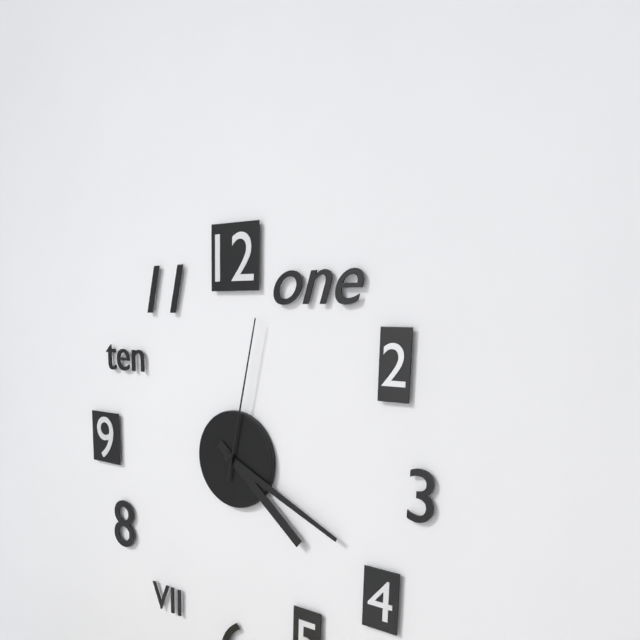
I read {"hour": 4, "minute": 19, "second": 2}
